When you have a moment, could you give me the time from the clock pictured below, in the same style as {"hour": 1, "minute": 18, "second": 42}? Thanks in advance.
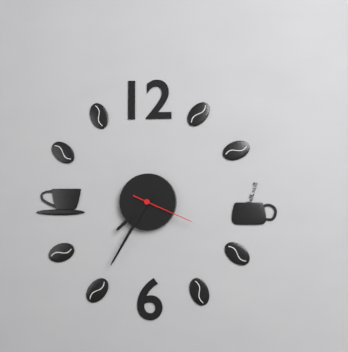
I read {"hour": 7, "minute": 35, "second": 19}
